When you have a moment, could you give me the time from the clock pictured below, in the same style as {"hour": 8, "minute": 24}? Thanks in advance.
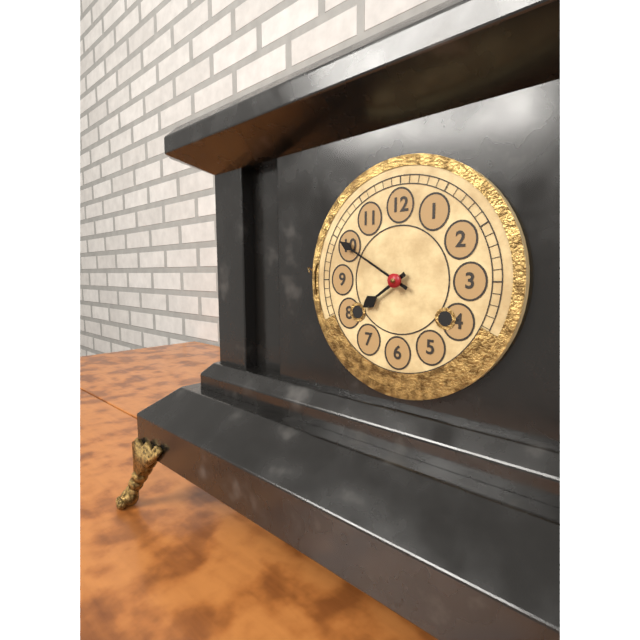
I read {"hour": 7, "minute": 50}
